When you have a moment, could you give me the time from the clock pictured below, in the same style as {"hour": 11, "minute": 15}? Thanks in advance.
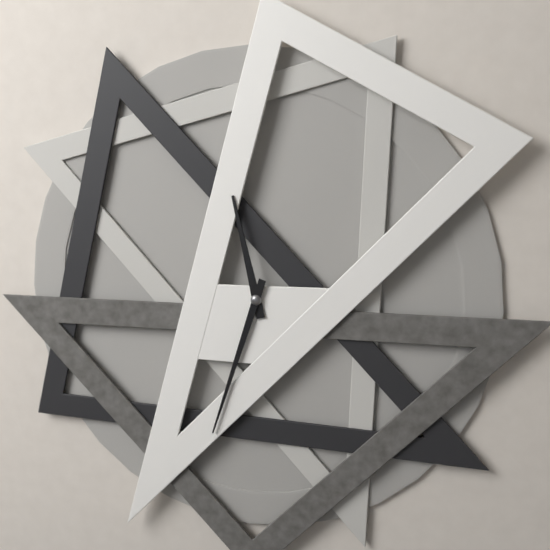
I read {"hour": 11, "minute": 33}
